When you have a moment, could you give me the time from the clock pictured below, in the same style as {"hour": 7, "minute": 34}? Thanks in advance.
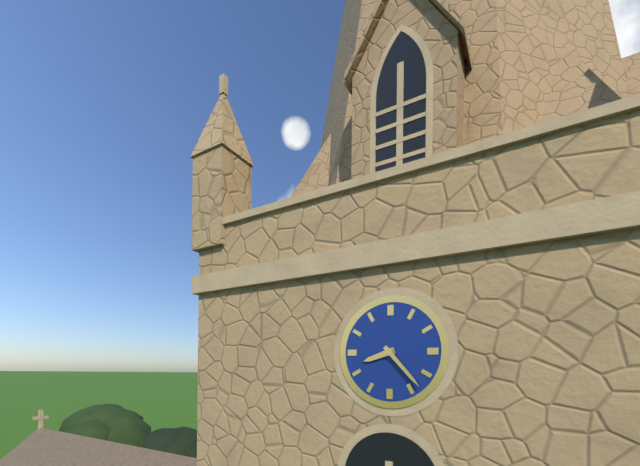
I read {"hour": 8, "minute": 23}
